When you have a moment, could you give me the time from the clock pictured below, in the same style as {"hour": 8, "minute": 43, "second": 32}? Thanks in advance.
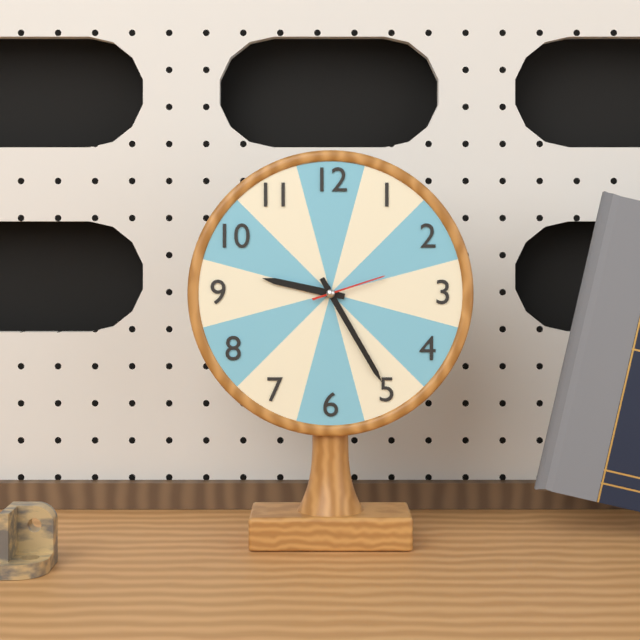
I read {"hour": 9, "minute": 25, "second": 12}
